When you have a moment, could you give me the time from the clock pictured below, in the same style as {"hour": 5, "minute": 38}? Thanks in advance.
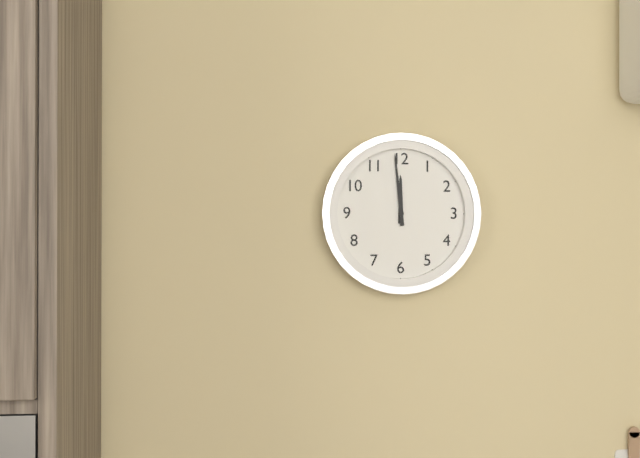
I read {"hour": 11, "minute": 59}
